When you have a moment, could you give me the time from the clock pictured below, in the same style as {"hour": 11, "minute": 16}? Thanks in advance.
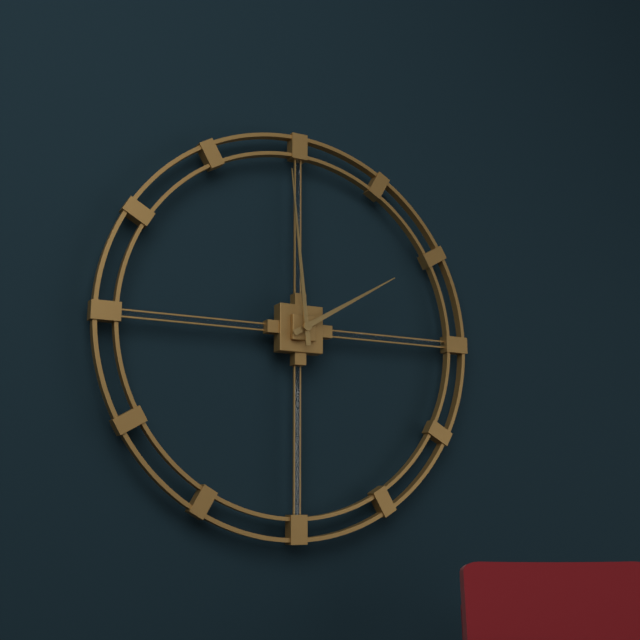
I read {"hour": 1, "minute": 59}
